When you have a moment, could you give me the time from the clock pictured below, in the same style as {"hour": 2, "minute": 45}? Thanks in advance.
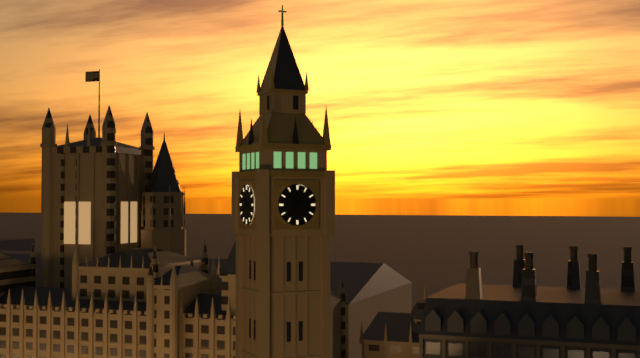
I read {"hour": 10, "minute": 37}
